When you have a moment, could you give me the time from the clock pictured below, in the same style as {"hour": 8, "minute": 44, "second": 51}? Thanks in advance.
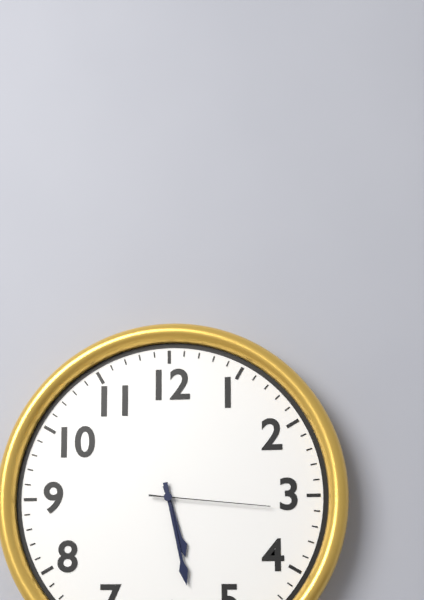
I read {"hour": 5, "minute": 28, "second": 16}
